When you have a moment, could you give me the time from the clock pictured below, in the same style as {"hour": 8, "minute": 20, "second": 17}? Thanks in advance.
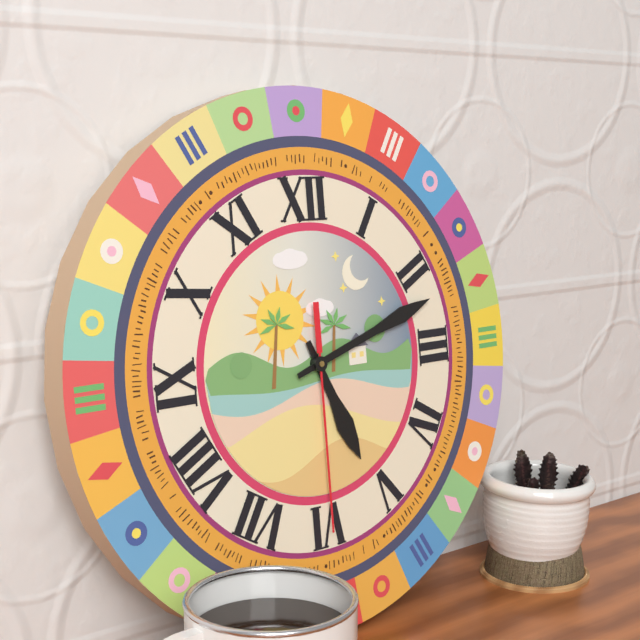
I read {"hour": 5, "minute": 12, "second": 30}
